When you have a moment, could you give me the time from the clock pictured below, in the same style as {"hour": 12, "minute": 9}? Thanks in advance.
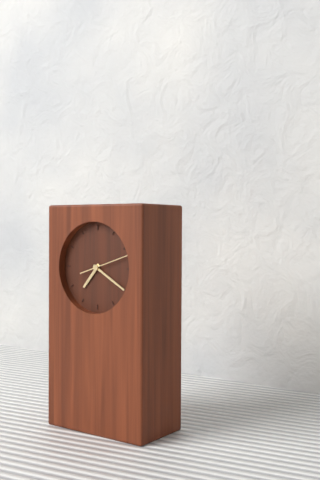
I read {"hour": 7, "minute": 20}
